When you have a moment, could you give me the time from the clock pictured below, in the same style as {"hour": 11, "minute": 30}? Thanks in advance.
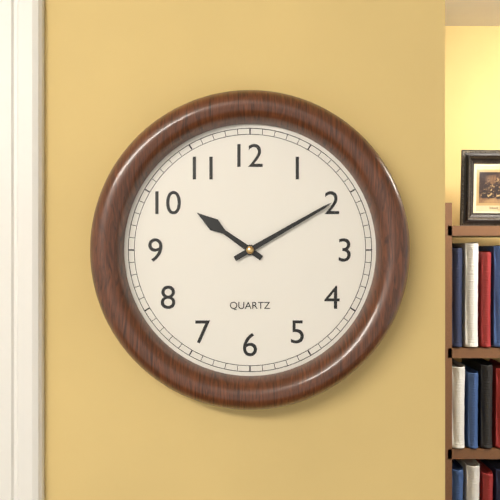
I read {"hour": 10, "minute": 10}
